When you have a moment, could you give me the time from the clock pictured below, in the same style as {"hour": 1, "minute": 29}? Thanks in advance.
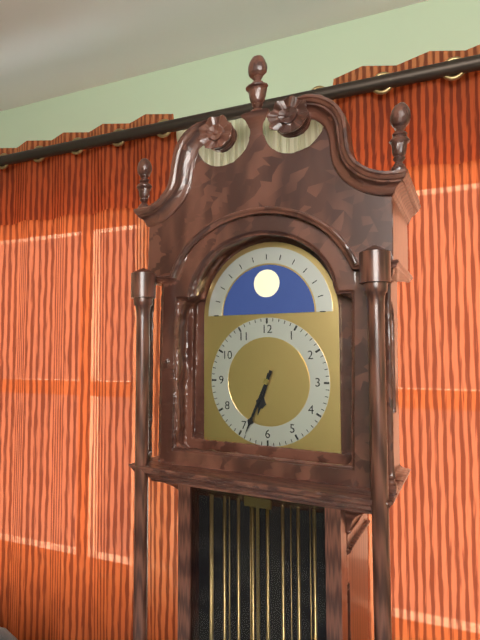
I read {"hour": 6, "minute": 34}
